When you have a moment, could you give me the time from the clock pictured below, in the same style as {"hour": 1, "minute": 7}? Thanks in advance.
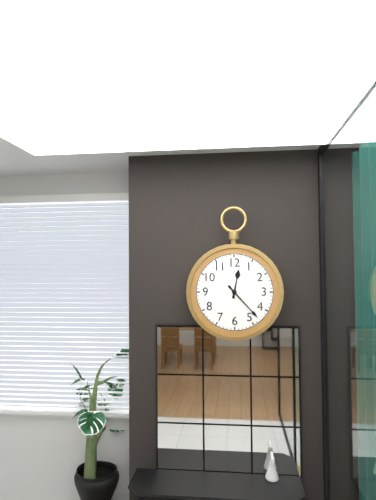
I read {"hour": 12, "minute": 23}
